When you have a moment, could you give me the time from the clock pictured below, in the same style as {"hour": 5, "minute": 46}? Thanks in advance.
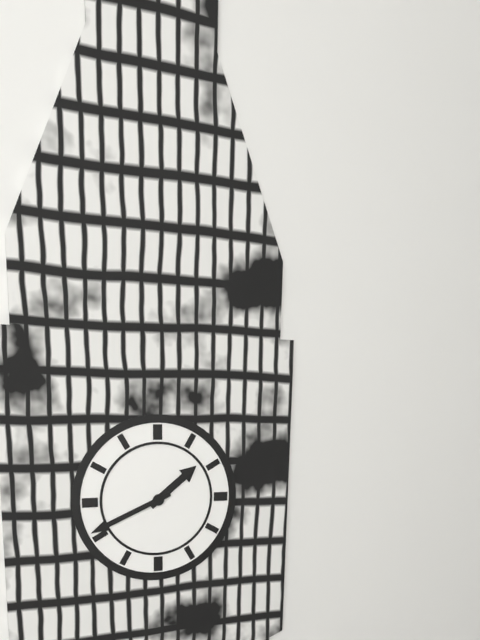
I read {"hour": 1, "minute": 41}
